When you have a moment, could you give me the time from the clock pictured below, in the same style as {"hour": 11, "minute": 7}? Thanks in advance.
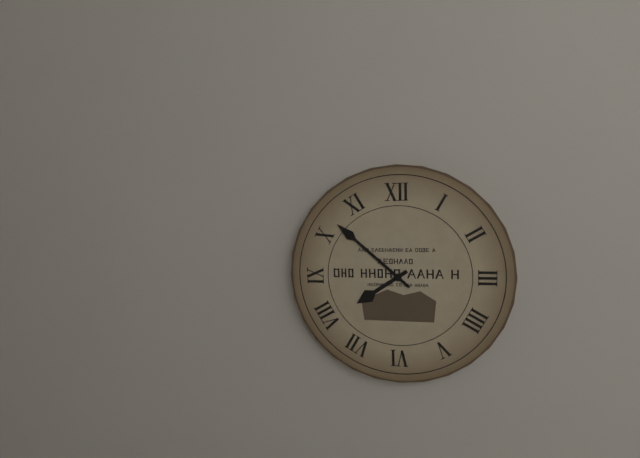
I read {"hour": 7, "minute": 52}
